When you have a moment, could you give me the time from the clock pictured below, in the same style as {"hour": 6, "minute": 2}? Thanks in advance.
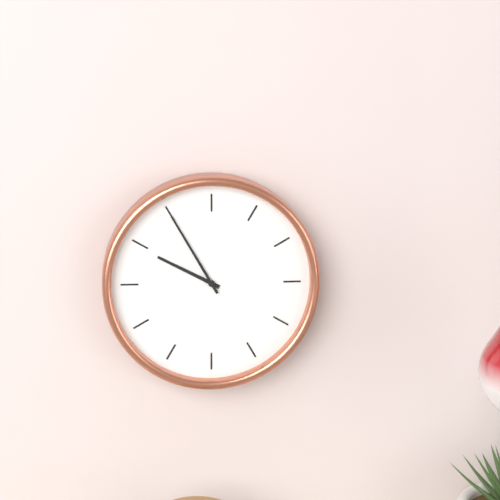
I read {"hour": 9, "minute": 55}
